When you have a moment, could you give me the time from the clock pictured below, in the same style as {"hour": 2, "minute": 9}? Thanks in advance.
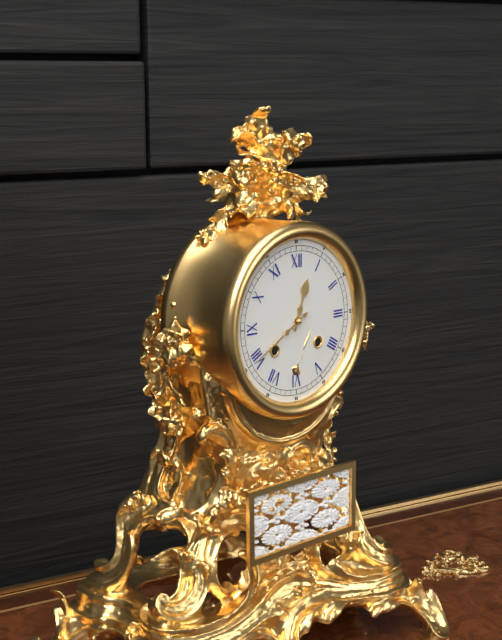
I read {"hour": 12, "minute": 40}
